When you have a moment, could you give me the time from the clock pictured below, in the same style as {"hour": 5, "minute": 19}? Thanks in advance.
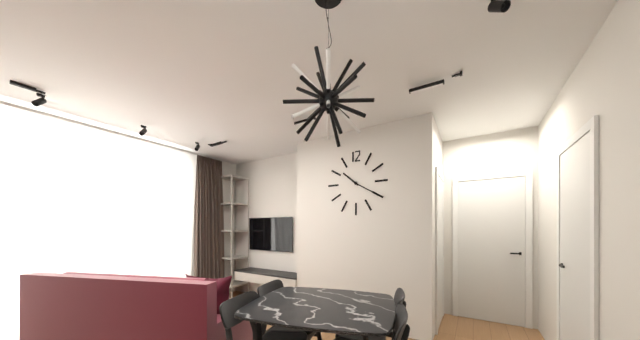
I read {"hour": 10, "minute": 20}
